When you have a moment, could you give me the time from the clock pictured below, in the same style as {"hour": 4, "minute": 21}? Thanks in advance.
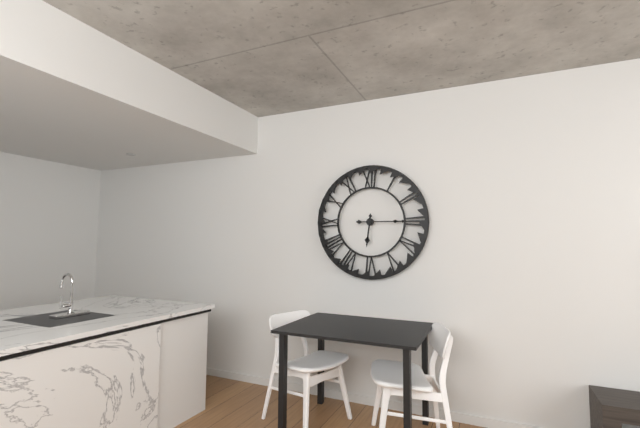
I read {"hour": 6, "minute": 15}
